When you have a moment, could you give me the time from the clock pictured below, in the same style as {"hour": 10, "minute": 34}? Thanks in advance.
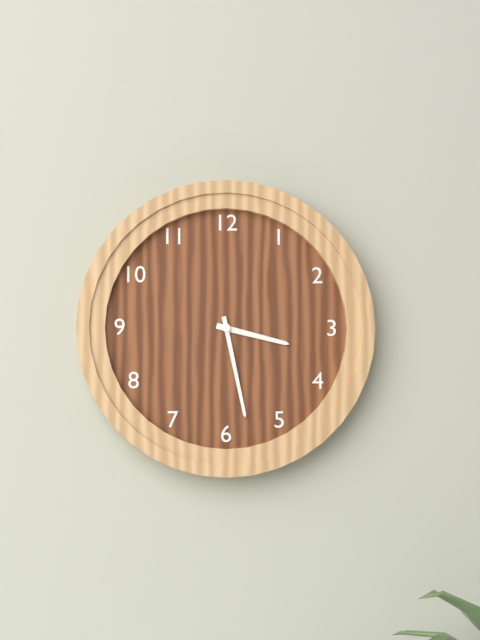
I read {"hour": 3, "minute": 28}
